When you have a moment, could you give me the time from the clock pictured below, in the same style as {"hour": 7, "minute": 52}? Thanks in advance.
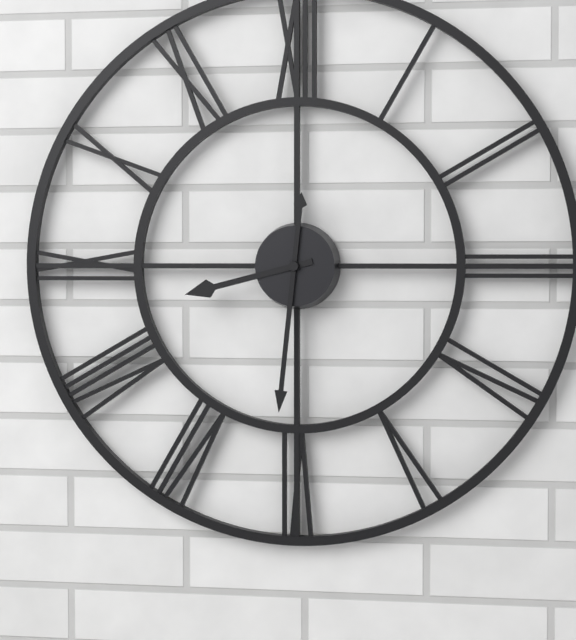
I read {"hour": 8, "minute": 31}
